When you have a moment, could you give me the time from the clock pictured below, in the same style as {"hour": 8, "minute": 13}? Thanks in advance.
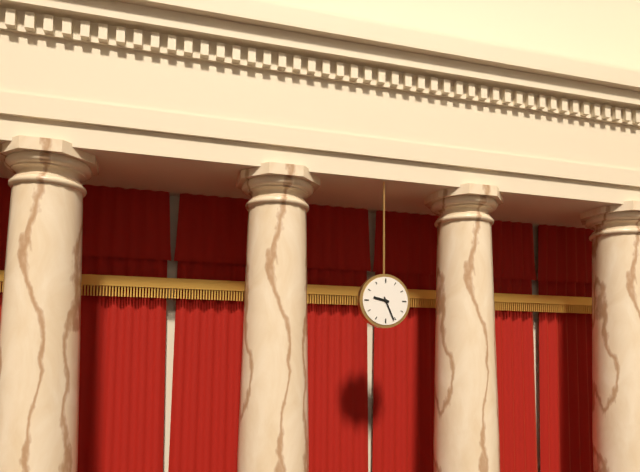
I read {"hour": 9, "minute": 26}
